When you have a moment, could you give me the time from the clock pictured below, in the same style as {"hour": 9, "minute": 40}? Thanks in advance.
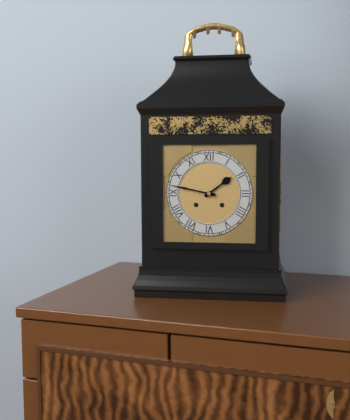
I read {"hour": 1, "minute": 47}
